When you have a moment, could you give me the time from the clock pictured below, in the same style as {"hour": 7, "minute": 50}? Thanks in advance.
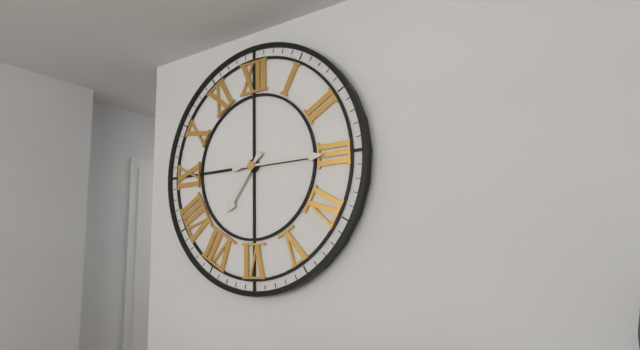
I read {"hour": 7, "minute": 15}
